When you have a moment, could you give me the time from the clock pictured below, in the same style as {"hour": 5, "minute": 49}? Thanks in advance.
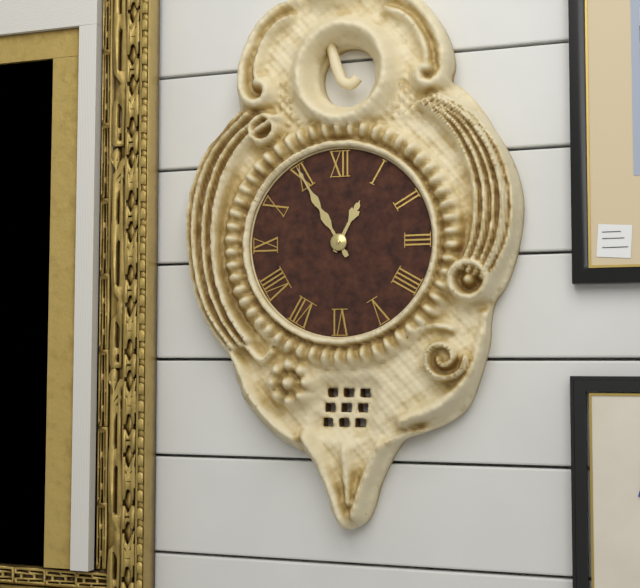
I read {"hour": 12, "minute": 55}
